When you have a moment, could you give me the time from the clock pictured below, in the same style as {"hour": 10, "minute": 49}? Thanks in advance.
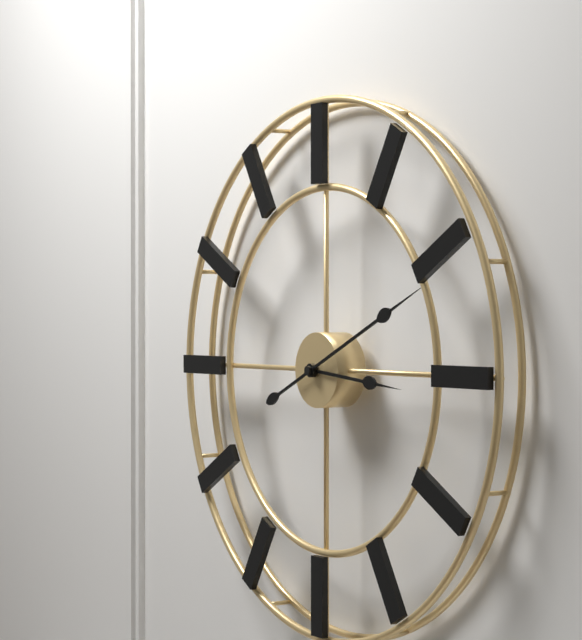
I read {"hour": 3, "minute": 11}
